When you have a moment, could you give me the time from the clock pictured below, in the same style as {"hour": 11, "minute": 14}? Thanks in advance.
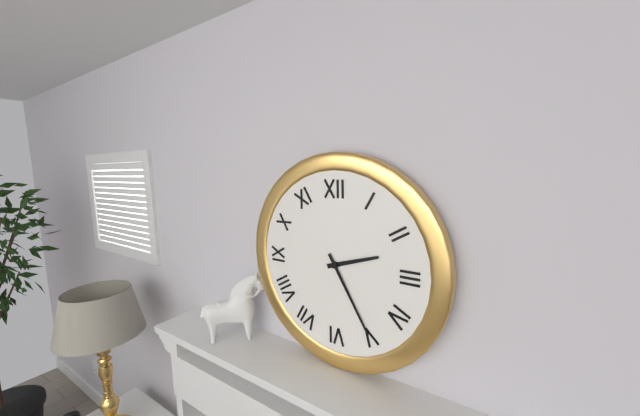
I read {"hour": 2, "minute": 25}
